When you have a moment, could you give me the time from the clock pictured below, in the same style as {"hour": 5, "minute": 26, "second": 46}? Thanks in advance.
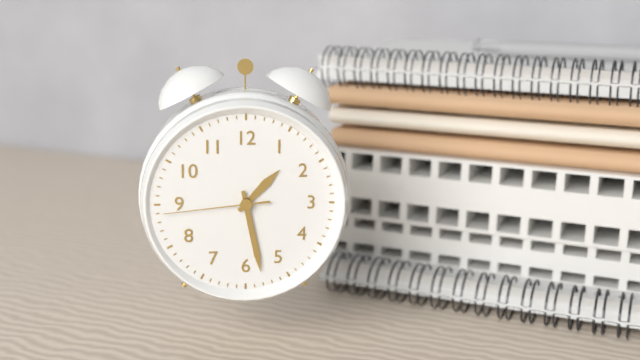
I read {"hour": 1, "minute": 28, "second": 44}
